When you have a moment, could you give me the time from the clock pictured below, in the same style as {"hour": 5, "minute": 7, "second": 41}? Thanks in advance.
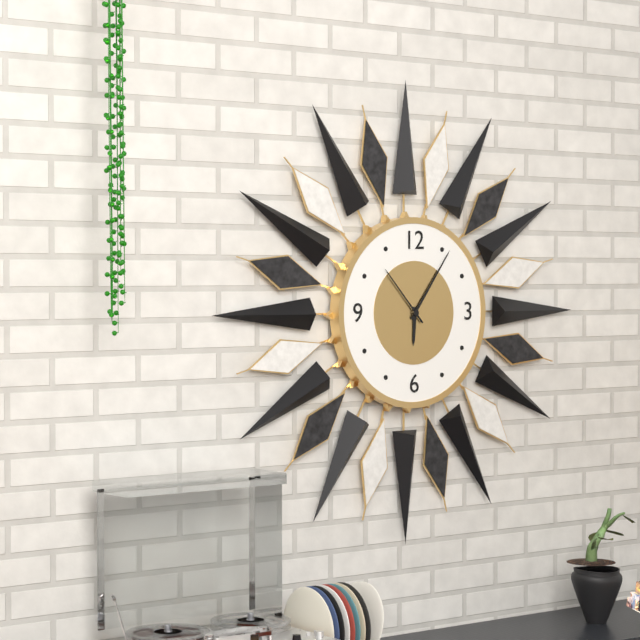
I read {"hour": 6, "minute": 6, "second": 53}
